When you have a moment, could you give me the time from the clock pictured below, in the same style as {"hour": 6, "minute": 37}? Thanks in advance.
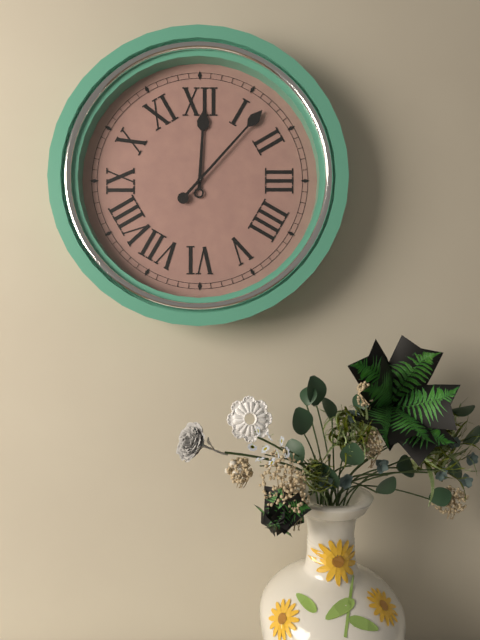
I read {"hour": 12, "minute": 7}
